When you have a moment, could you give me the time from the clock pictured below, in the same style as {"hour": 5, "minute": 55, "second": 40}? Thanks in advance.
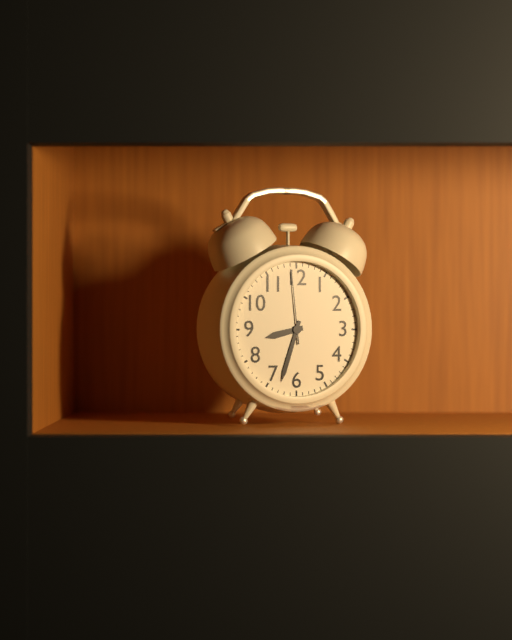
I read {"hour": 8, "minute": 33, "second": 59}
